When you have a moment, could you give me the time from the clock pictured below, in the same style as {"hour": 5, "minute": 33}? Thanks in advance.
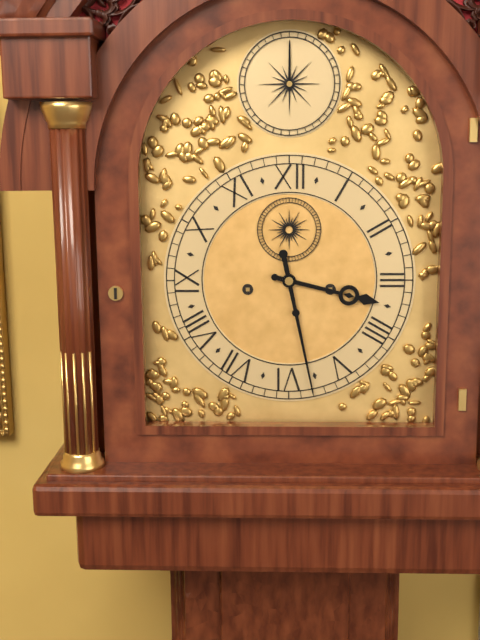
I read {"hour": 3, "minute": 28}
